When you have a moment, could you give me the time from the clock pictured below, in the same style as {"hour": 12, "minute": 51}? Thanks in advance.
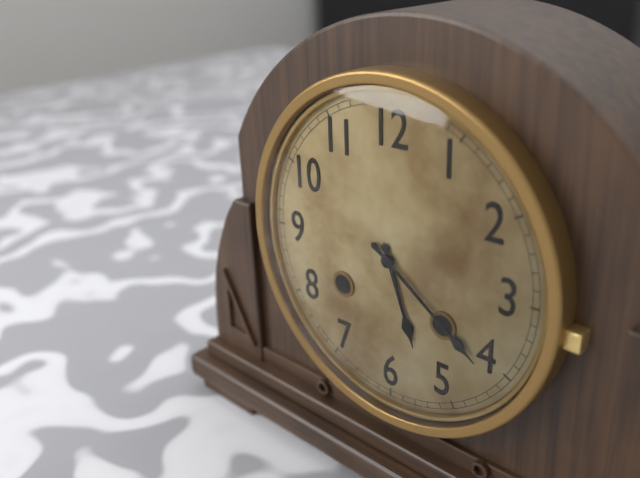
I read {"hour": 5, "minute": 21}
